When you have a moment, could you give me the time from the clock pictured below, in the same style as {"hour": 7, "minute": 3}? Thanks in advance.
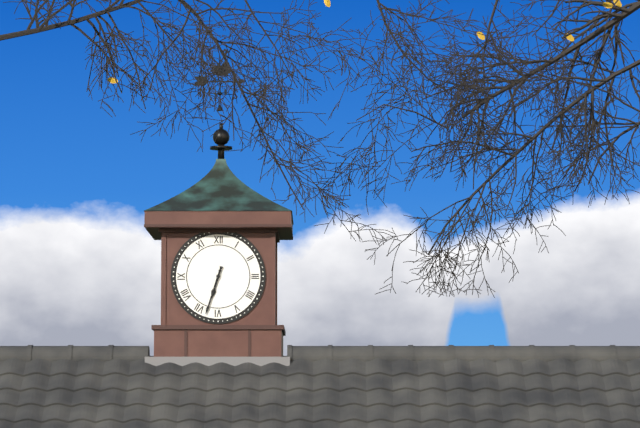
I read {"hour": 6, "minute": 33}
